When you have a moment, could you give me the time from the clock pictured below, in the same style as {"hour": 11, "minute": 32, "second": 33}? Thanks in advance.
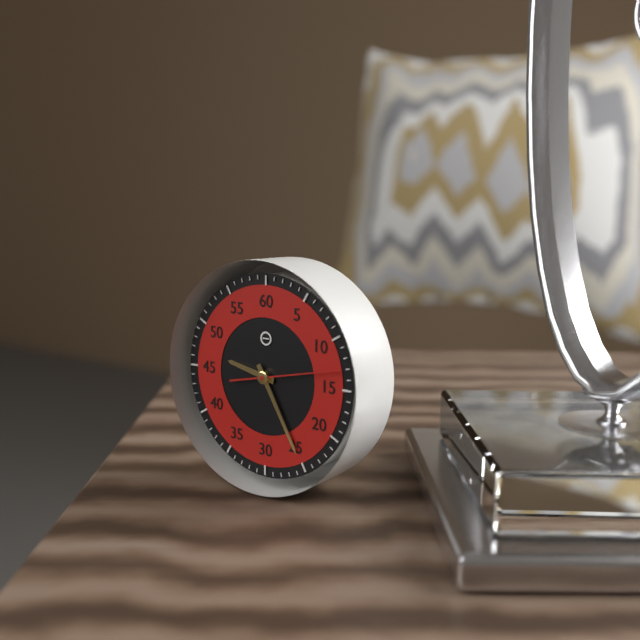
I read {"hour": 9, "minute": 25, "second": 13}
